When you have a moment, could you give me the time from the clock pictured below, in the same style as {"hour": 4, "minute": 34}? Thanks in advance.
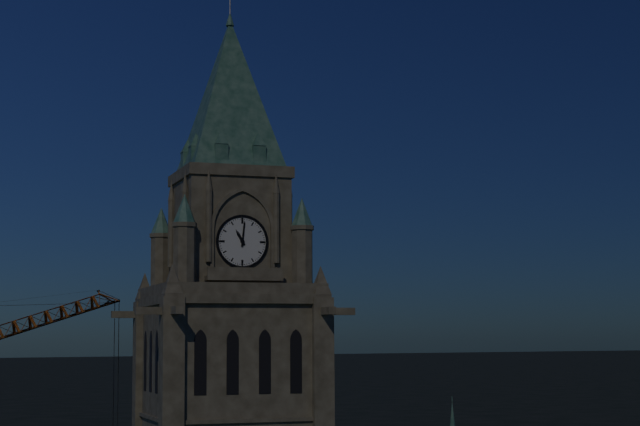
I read {"hour": 11, "minute": 1}
